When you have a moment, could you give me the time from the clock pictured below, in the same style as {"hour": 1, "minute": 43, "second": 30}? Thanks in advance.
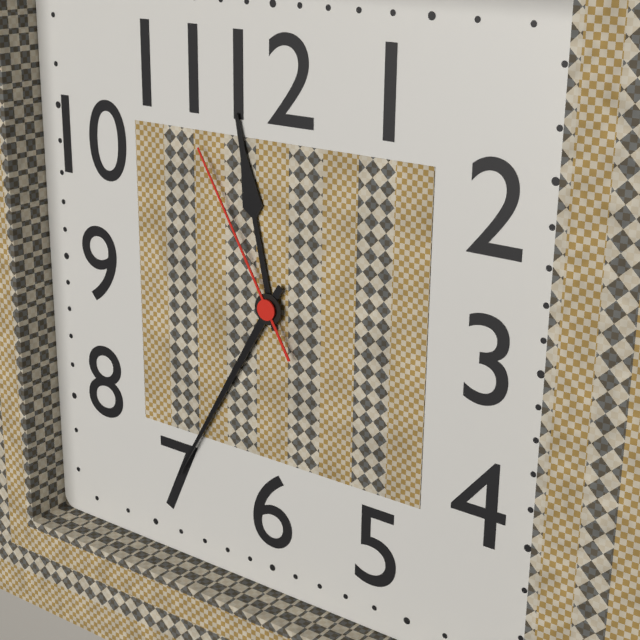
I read {"hour": 11, "minute": 35, "second": 55}
